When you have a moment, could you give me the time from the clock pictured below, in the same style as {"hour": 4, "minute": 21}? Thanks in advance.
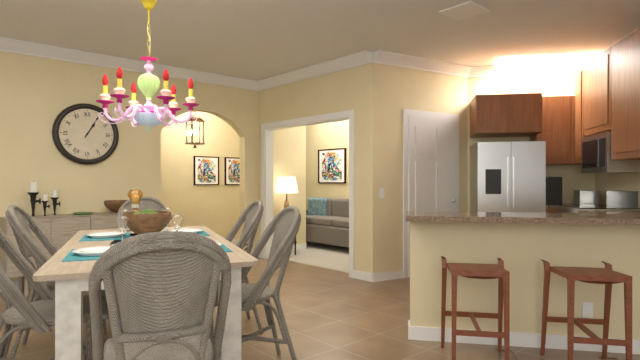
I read {"hour": 1, "minute": 5}
